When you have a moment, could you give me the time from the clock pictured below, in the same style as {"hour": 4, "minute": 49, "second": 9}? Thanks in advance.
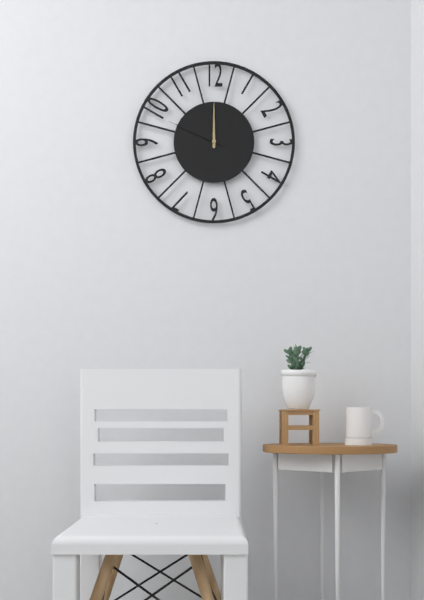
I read {"hour": 12, "minute": 0, "second": 49}
